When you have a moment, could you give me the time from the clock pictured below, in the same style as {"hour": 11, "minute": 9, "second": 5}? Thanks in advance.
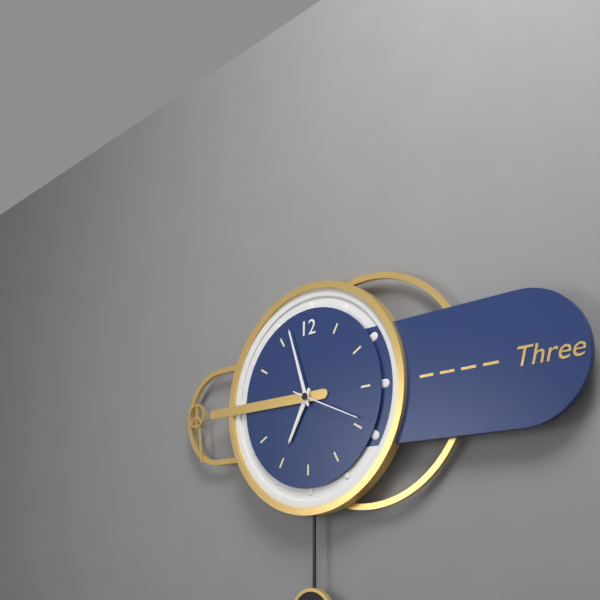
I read {"hour": 6, "minute": 57, "second": 19}
